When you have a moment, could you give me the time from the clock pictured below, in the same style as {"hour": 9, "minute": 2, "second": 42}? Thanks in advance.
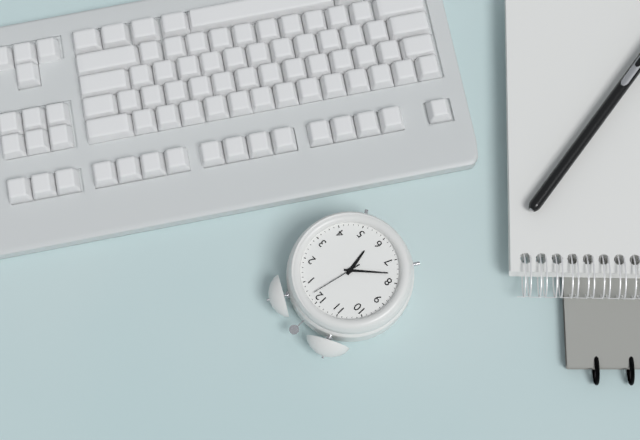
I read {"hour": 5, "minute": 38, "second": 2}
